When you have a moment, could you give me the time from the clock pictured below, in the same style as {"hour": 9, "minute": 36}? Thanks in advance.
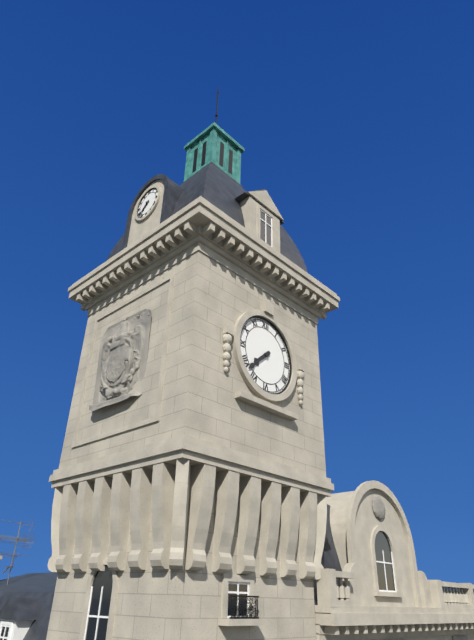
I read {"hour": 7, "minute": 38}
